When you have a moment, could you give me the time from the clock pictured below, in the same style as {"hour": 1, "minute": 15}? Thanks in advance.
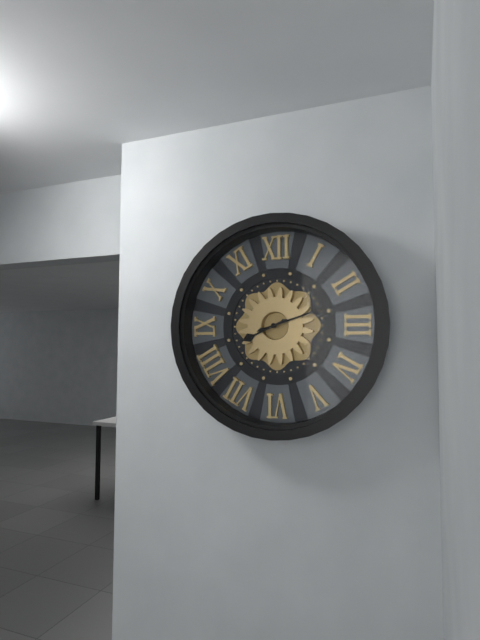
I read {"hour": 8, "minute": 12}
